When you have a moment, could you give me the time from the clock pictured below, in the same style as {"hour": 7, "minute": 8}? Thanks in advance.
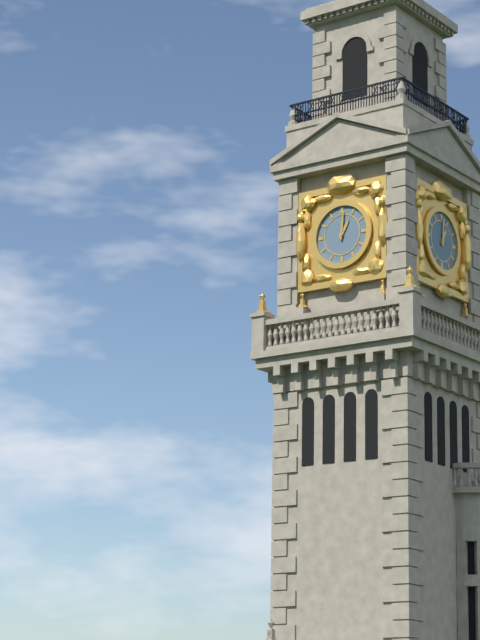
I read {"hour": 1, "minute": 1}
